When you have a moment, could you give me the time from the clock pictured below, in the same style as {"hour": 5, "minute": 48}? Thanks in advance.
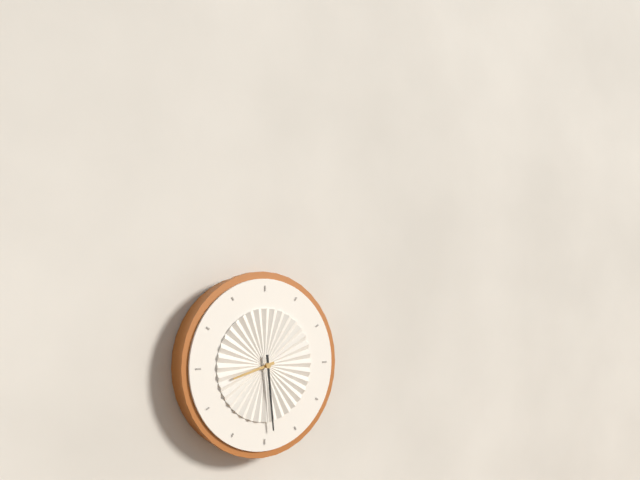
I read {"hour": 8, "minute": 29}
